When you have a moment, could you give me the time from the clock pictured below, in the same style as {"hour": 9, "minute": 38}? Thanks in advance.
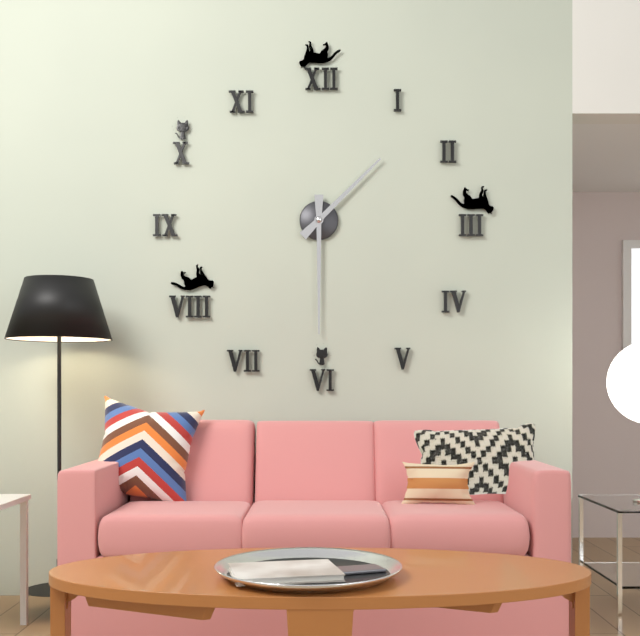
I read {"hour": 1, "minute": 30}
